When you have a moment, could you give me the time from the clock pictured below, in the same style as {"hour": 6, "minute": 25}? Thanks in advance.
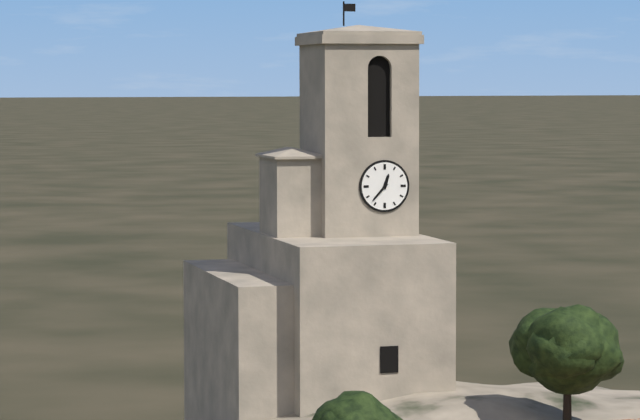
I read {"hour": 12, "minute": 37}
